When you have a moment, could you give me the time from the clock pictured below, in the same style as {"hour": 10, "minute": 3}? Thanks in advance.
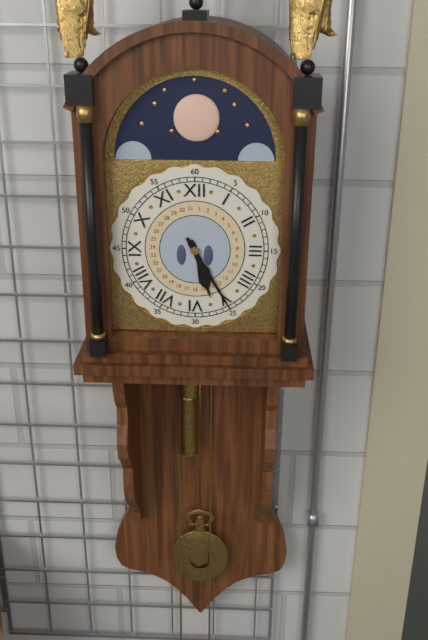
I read {"hour": 5, "minute": 25}
